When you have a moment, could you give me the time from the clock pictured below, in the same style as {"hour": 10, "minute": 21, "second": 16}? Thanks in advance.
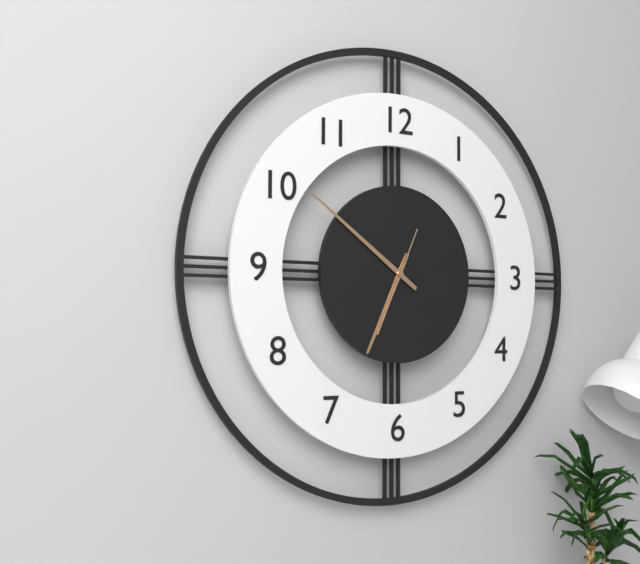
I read {"hour": 6, "minute": 51, "second": 34}
